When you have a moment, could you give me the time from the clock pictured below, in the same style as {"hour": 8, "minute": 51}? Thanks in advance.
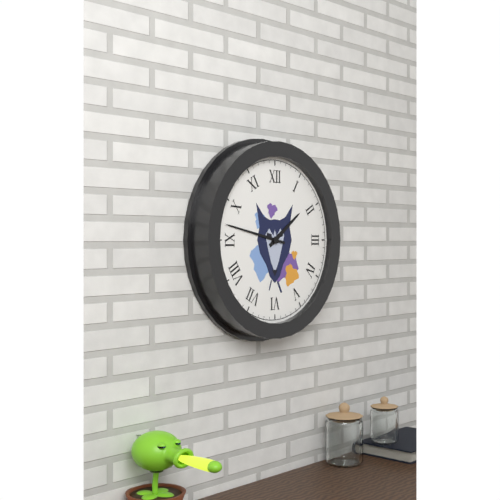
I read {"hour": 1, "minute": 47}
